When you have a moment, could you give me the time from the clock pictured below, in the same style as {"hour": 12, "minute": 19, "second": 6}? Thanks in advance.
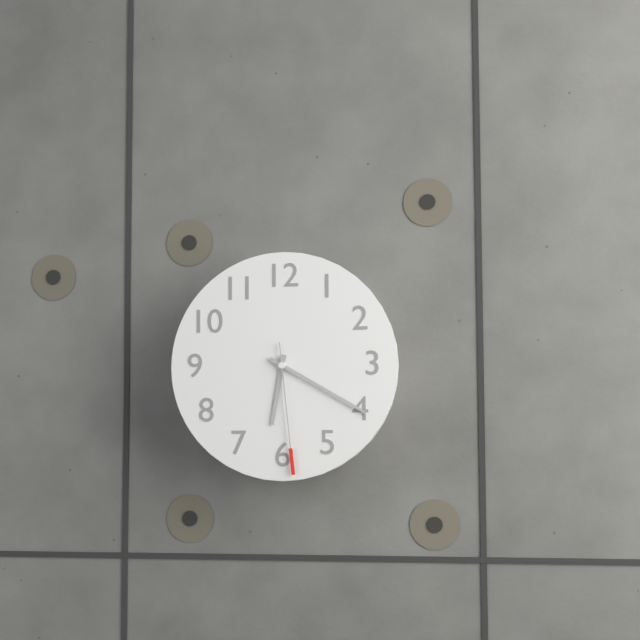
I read {"hour": 6, "minute": 20, "second": 29}
